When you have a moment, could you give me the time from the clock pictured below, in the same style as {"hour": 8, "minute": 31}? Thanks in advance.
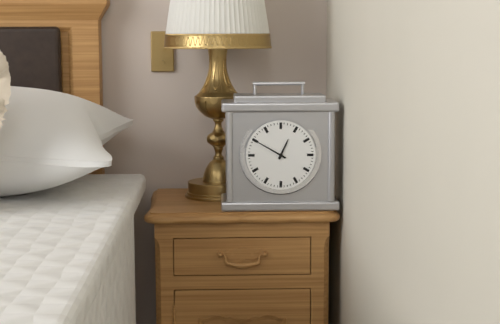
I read {"hour": 12, "minute": 50}
